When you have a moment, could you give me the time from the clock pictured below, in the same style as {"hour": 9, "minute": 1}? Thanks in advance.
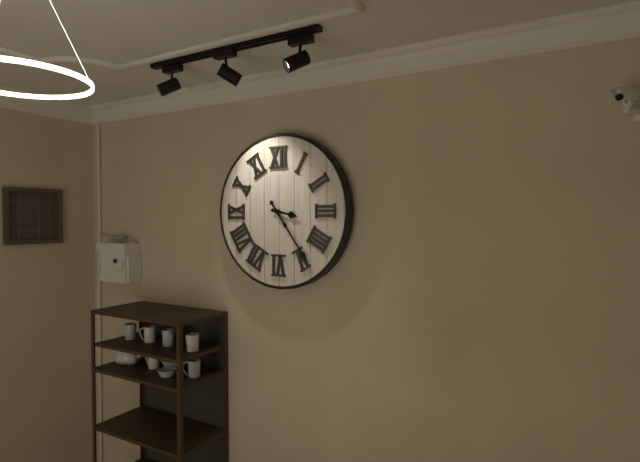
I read {"hour": 3, "minute": 24}
